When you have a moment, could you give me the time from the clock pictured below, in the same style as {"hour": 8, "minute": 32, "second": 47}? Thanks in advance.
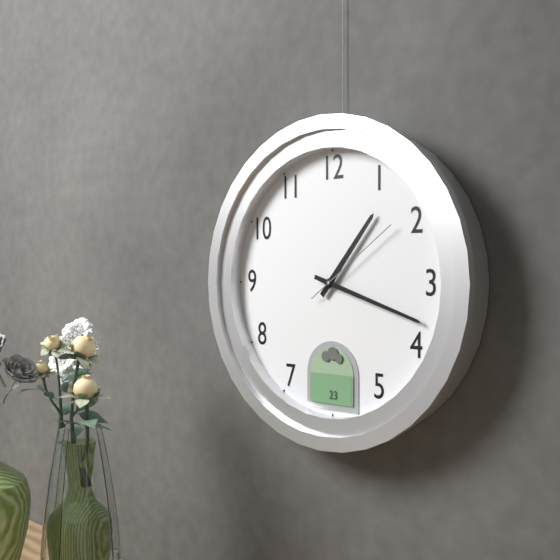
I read {"hour": 1, "minute": 18, "second": 9}
